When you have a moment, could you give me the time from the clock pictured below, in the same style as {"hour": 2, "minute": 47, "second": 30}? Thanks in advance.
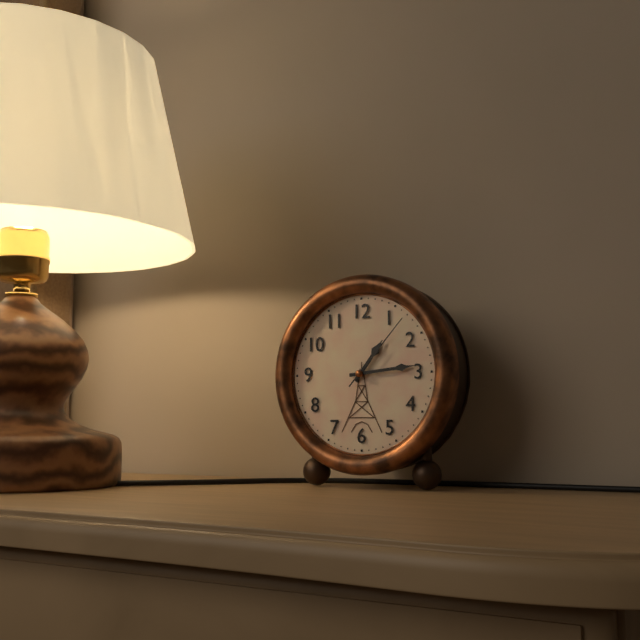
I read {"hour": 1, "minute": 14, "second": 7}
